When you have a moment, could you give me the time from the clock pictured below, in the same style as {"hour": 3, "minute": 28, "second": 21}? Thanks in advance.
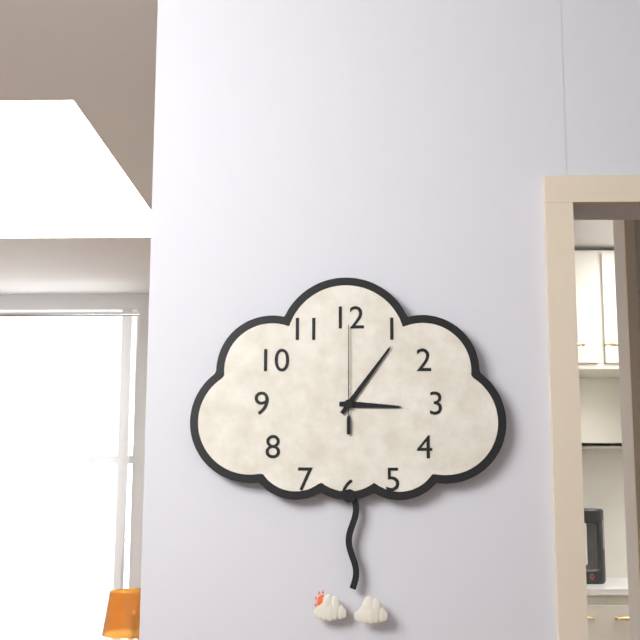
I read {"hour": 3, "minute": 6, "second": 0}
